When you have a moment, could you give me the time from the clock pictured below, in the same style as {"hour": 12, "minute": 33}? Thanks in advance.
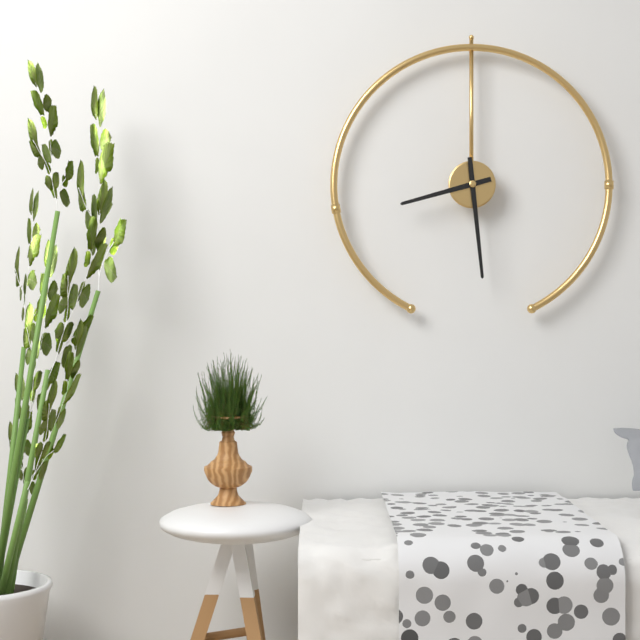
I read {"hour": 8, "minute": 29}
